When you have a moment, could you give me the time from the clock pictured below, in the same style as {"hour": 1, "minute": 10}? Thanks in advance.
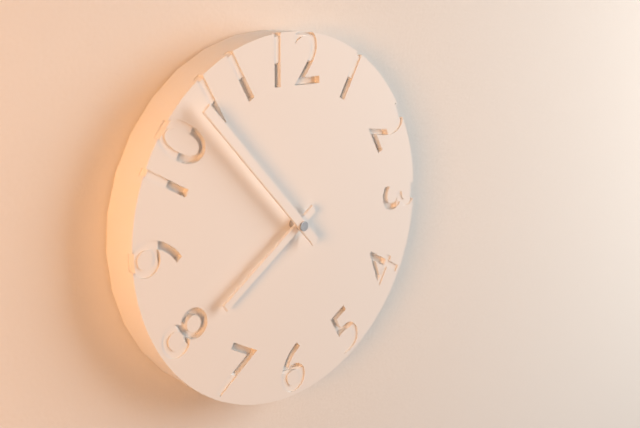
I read {"hour": 7, "minute": 53}
